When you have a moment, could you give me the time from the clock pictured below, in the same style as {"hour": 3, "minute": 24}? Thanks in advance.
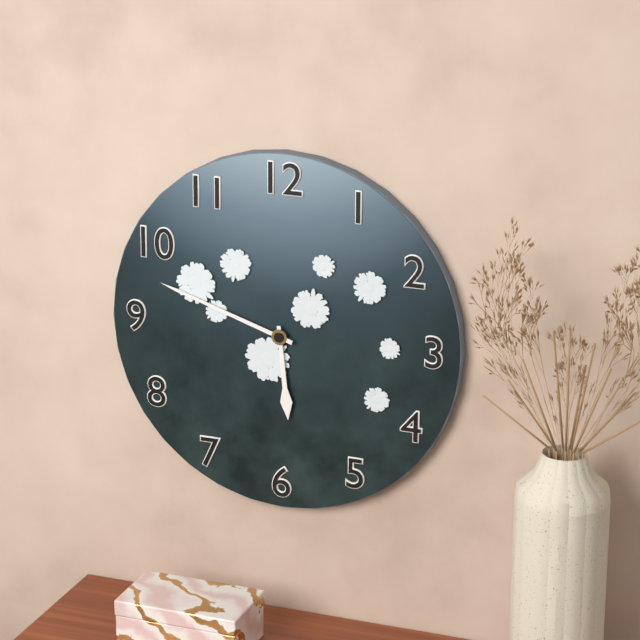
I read {"hour": 5, "minute": 48}
